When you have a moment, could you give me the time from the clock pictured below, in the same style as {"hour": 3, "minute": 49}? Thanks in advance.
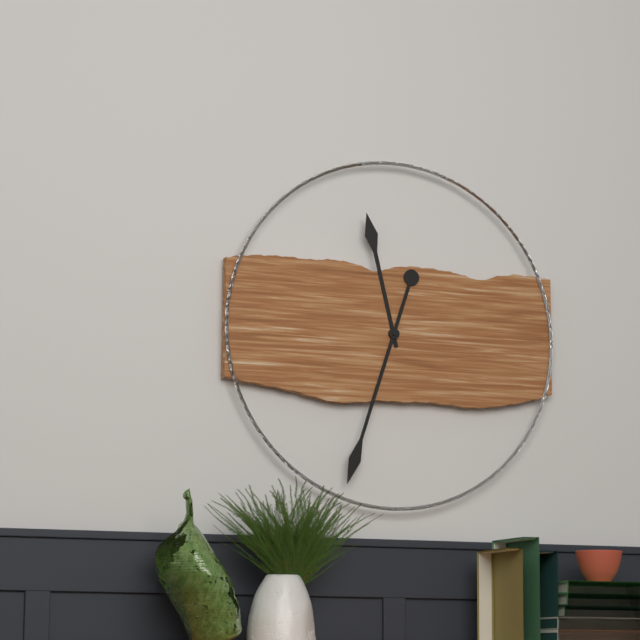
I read {"hour": 11, "minute": 33}
